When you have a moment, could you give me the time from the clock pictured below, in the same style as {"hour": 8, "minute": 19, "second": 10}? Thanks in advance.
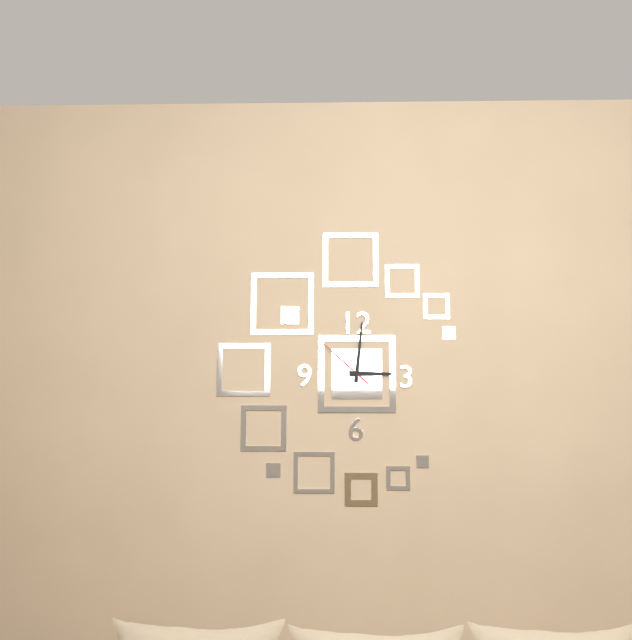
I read {"hour": 3, "minute": 1, "second": 52}
